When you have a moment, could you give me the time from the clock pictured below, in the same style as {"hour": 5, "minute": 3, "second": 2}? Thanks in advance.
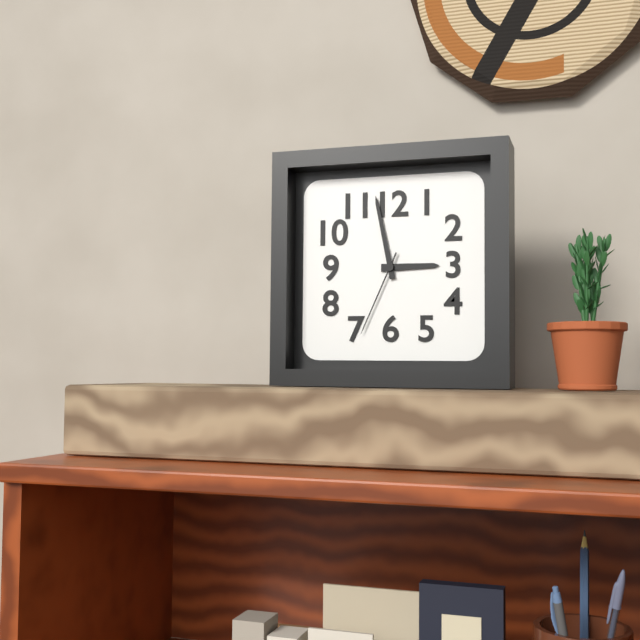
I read {"hour": 2, "minute": 58, "second": 34}
